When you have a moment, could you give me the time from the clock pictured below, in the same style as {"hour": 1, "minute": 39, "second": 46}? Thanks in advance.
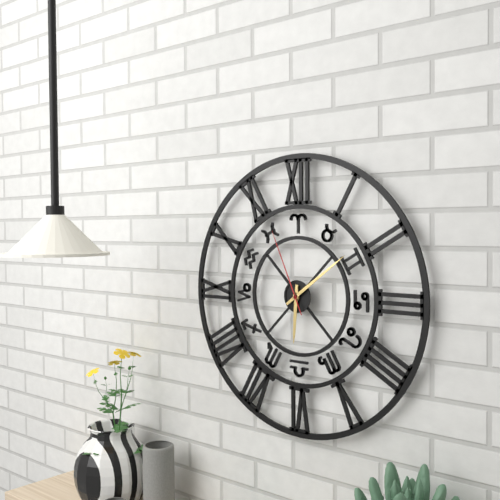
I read {"hour": 6, "minute": 9, "second": 56}
